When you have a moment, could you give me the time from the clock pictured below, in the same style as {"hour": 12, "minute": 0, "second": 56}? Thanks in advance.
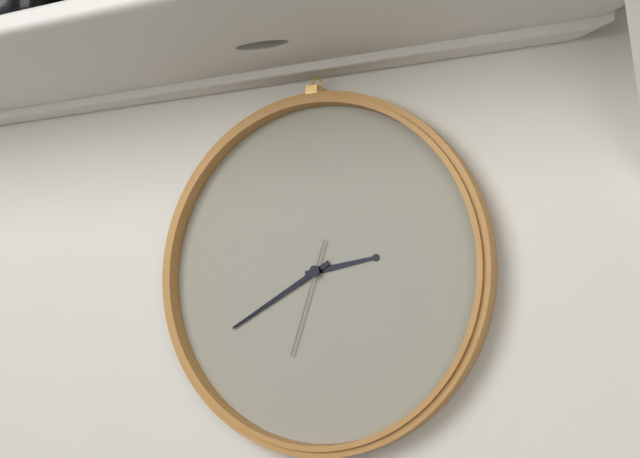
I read {"hour": 2, "minute": 40, "second": 33}
